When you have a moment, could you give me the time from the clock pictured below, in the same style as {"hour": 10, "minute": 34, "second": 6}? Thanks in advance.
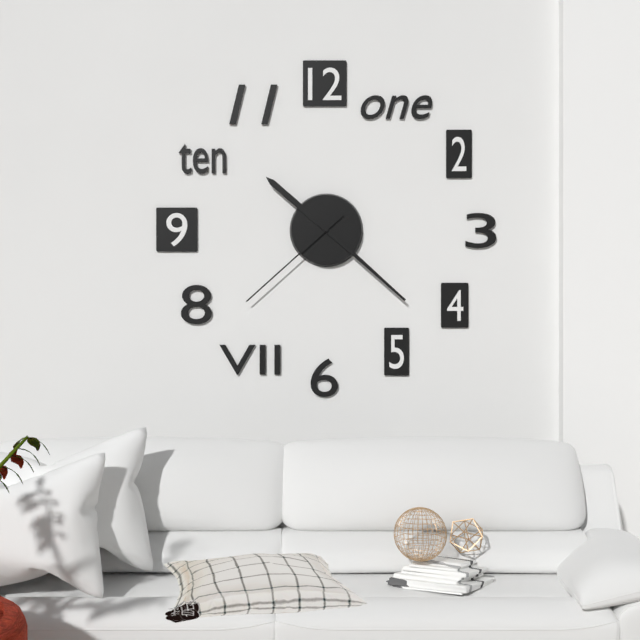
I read {"hour": 10, "minute": 22, "second": 38}
